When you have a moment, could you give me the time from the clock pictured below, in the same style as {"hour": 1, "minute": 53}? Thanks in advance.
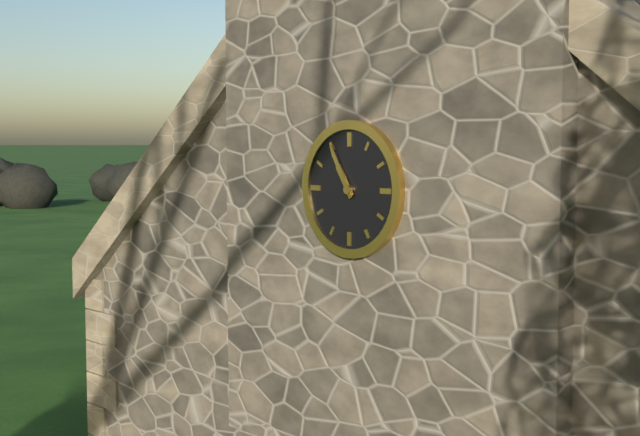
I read {"hour": 10, "minute": 55}
